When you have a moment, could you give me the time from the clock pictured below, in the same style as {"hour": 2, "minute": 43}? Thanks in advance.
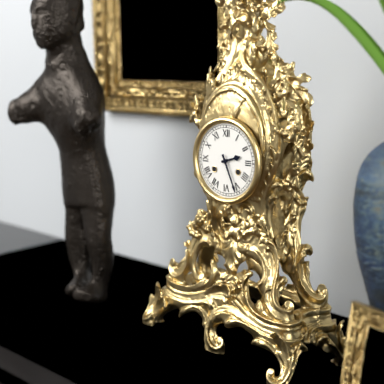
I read {"hour": 2, "minute": 26}
